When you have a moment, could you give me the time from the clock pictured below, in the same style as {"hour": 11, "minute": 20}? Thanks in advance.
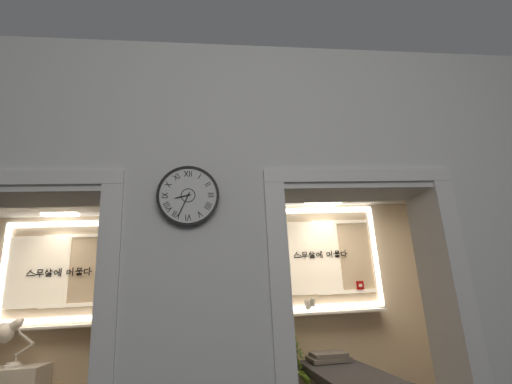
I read {"hour": 8, "minute": 34}
